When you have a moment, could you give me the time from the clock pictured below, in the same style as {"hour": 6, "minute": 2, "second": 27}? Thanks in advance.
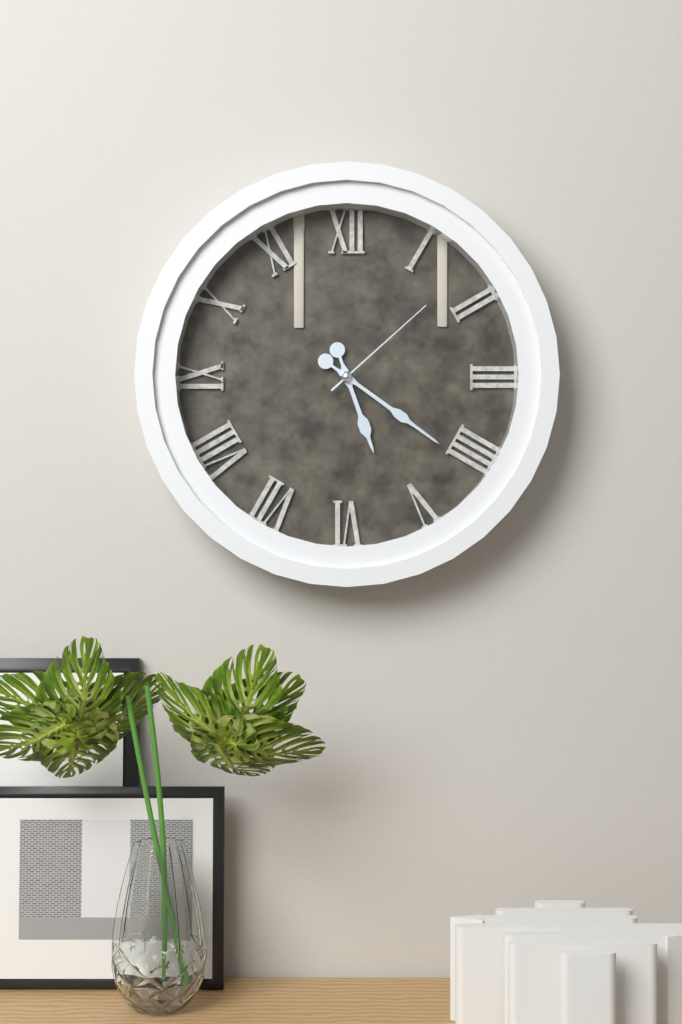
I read {"hour": 5, "minute": 21, "second": 8}
